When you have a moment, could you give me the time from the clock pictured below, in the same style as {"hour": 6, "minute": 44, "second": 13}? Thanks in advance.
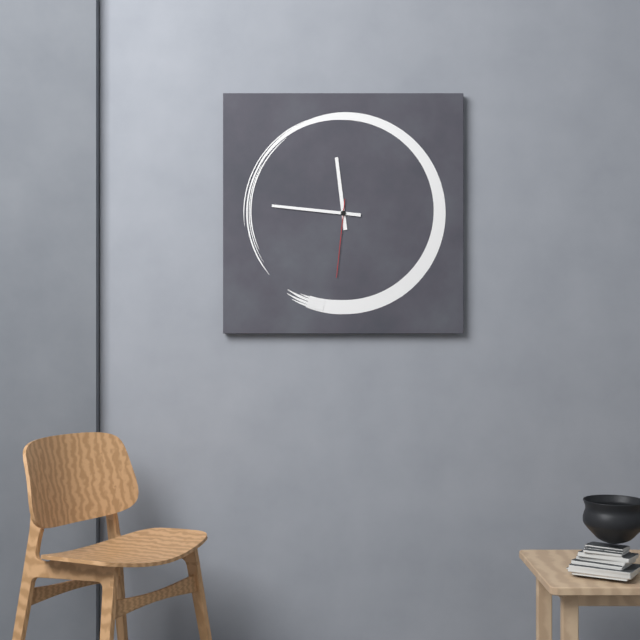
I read {"hour": 11, "minute": 46, "second": 31}
